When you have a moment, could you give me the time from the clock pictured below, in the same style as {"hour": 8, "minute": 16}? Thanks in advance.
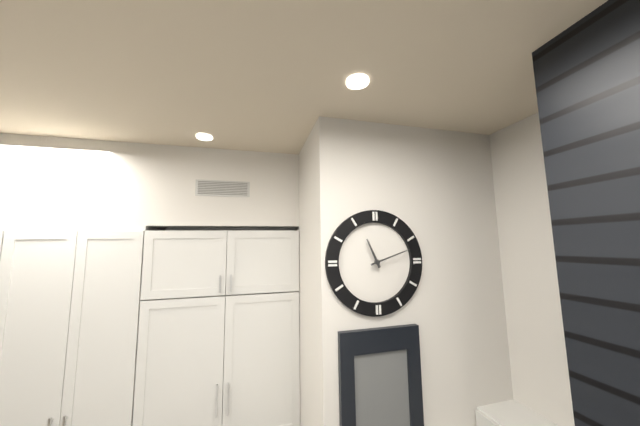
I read {"hour": 11, "minute": 12}
